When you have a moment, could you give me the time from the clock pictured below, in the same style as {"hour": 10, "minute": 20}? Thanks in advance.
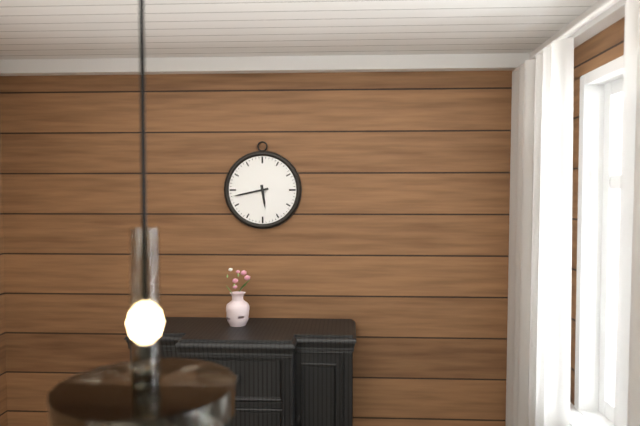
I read {"hour": 5, "minute": 43}
